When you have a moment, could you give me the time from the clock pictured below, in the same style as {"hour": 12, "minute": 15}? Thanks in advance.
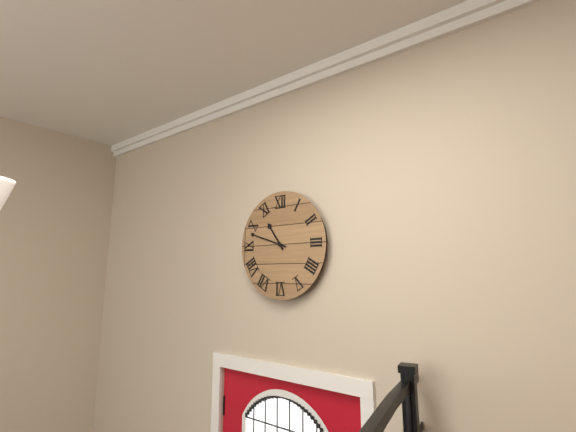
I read {"hour": 10, "minute": 48}
